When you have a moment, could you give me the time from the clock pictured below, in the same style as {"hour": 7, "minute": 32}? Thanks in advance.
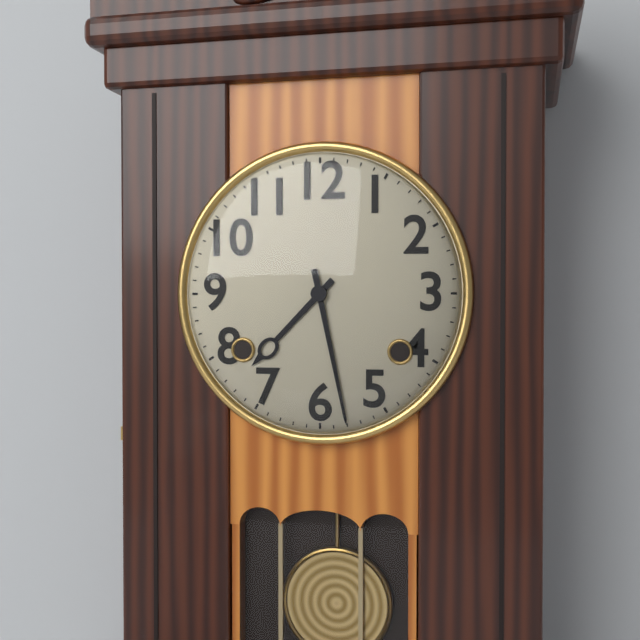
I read {"hour": 7, "minute": 28}
